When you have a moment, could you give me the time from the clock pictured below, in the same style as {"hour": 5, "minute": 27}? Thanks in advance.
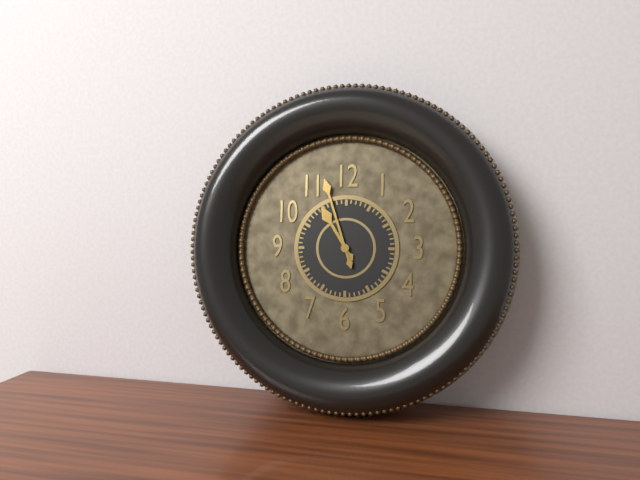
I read {"hour": 10, "minute": 57}
